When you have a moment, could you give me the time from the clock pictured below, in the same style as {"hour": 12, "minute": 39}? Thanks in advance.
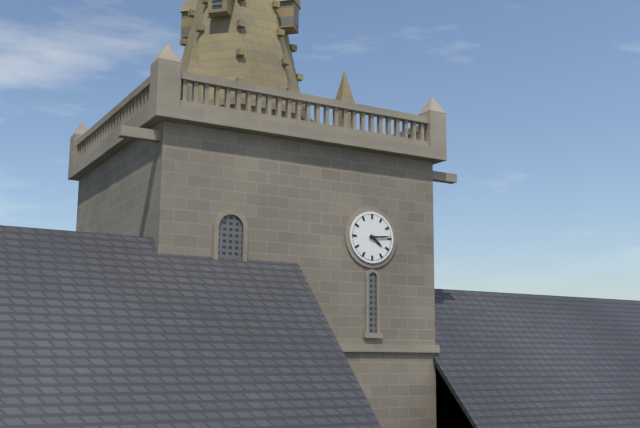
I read {"hour": 4, "minute": 14}
